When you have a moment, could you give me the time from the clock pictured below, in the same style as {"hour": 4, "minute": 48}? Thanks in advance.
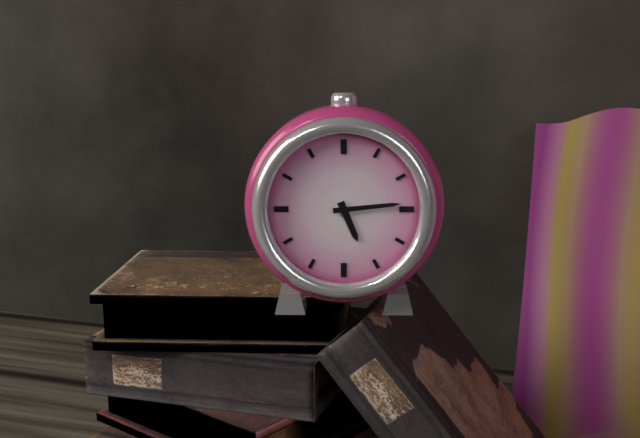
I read {"hour": 5, "minute": 14}
